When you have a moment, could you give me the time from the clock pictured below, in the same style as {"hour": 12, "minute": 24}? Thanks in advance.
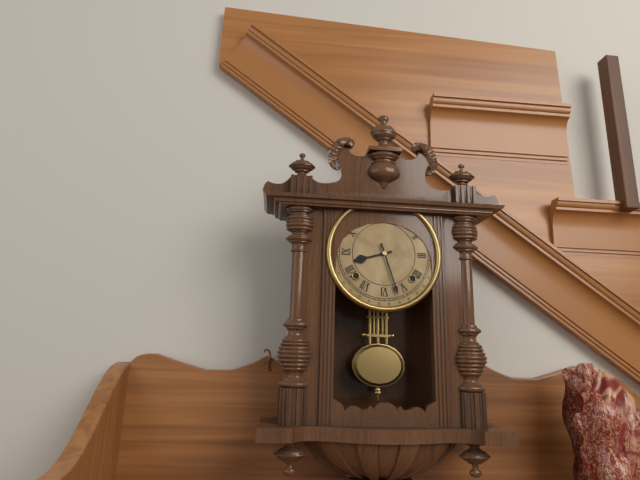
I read {"hour": 8, "minute": 27}
